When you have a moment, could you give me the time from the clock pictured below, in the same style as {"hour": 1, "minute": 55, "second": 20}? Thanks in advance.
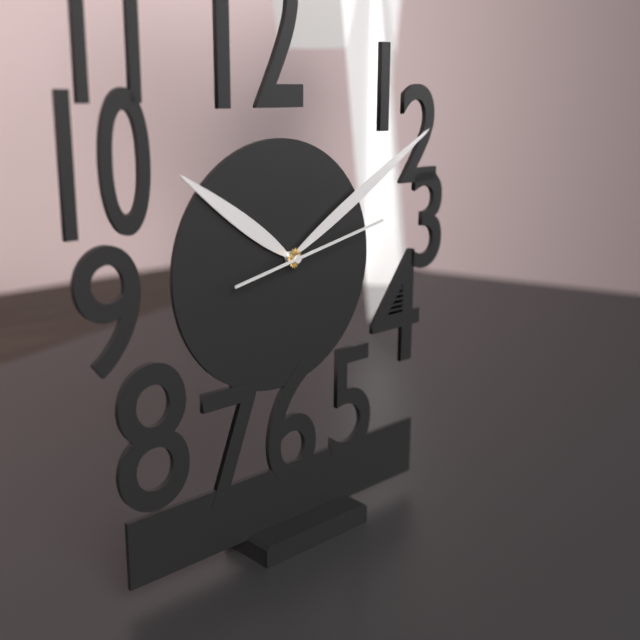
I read {"hour": 10, "minute": 10, "second": 13}
